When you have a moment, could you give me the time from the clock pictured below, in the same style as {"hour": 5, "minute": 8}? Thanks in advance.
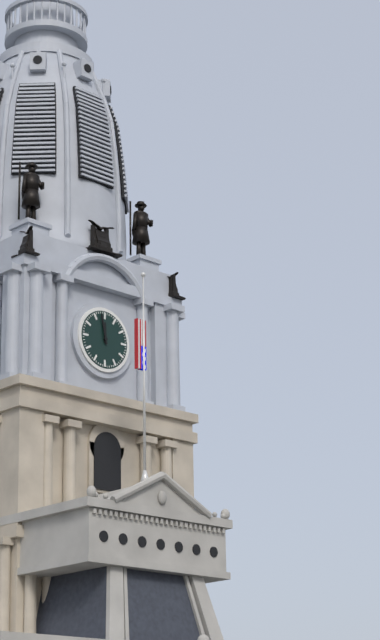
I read {"hour": 11, "minute": 58}
